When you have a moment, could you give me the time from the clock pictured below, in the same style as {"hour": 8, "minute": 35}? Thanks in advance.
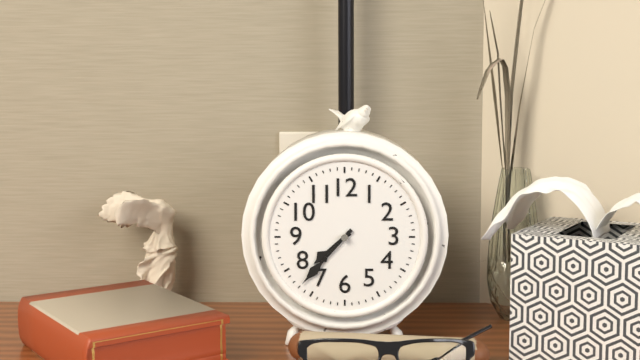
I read {"hour": 7, "minute": 37}
